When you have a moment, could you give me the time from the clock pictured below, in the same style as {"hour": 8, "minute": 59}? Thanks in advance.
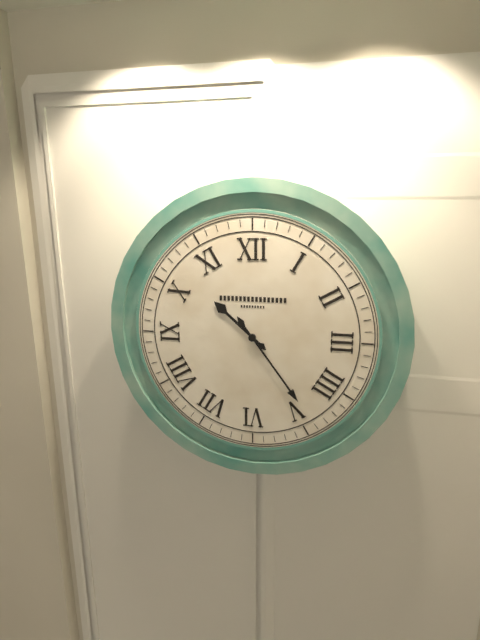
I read {"hour": 10, "minute": 24}
